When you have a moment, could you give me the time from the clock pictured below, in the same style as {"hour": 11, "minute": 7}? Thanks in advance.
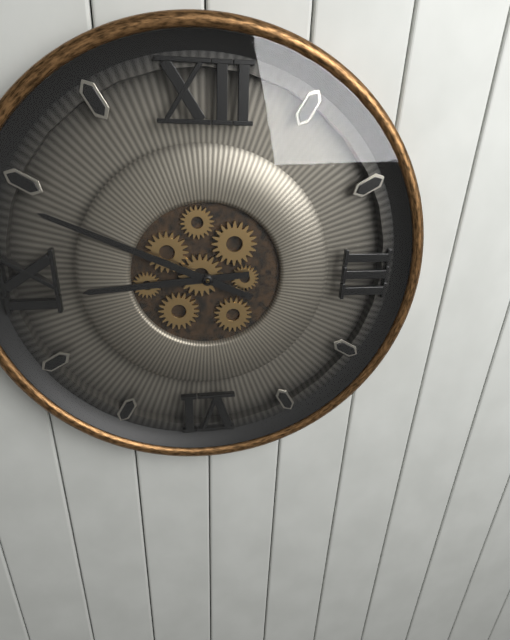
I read {"hour": 8, "minute": 49}
